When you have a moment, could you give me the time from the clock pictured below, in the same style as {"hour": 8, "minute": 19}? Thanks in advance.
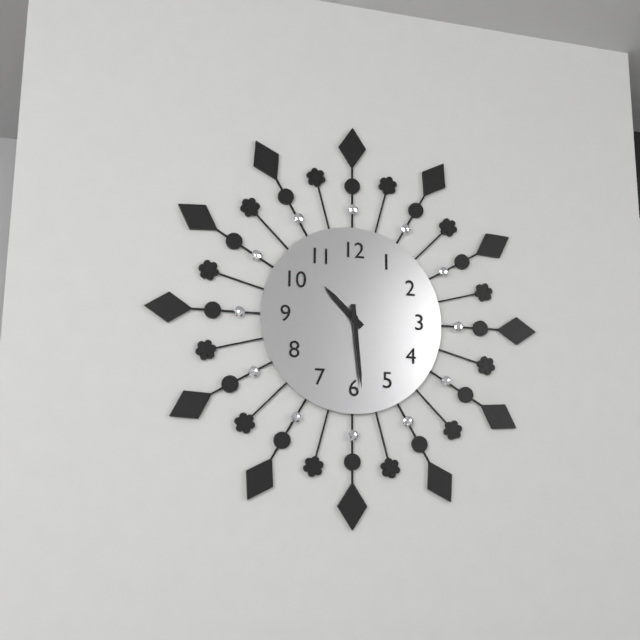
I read {"hour": 10, "minute": 29}
